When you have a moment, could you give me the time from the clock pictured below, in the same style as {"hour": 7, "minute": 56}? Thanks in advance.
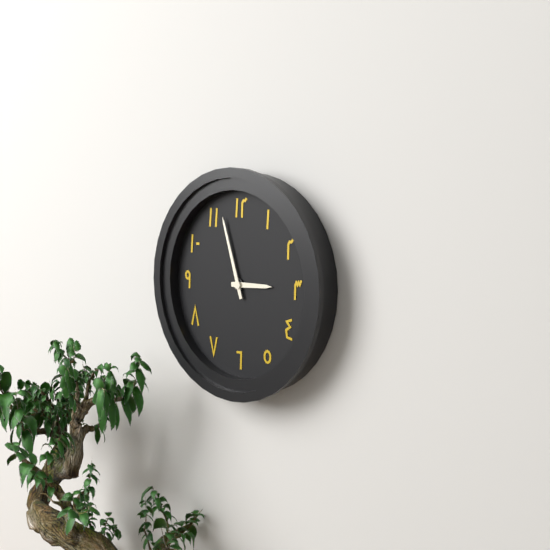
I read {"hour": 2, "minute": 57}
